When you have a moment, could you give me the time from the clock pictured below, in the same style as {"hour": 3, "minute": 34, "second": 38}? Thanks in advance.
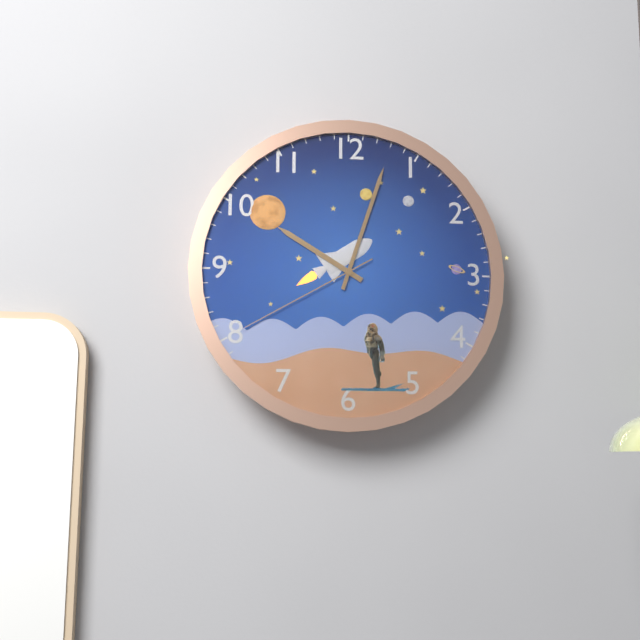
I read {"hour": 10, "minute": 3, "second": 40}
